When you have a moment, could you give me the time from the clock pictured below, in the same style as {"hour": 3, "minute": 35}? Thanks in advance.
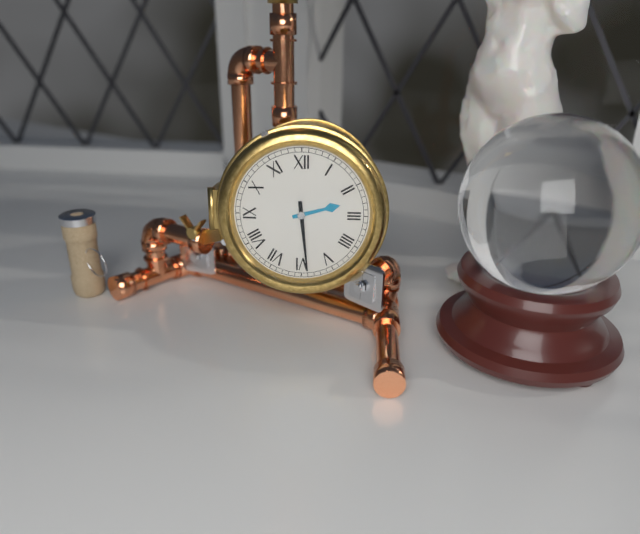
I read {"hour": 2, "minute": 29}
